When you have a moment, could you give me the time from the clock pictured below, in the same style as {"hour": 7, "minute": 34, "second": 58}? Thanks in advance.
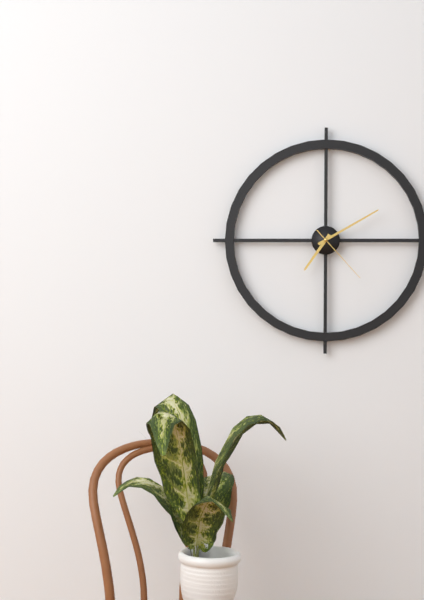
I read {"hour": 7, "minute": 10, "second": 23}
